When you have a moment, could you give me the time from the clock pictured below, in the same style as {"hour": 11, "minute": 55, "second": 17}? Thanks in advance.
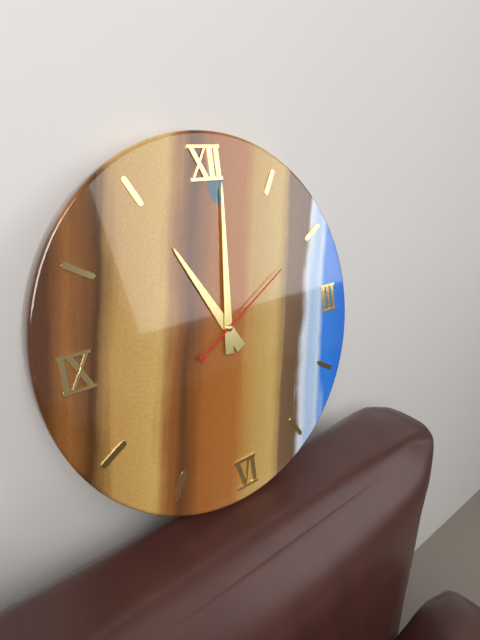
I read {"hour": 11, "minute": 1, "second": 10}
